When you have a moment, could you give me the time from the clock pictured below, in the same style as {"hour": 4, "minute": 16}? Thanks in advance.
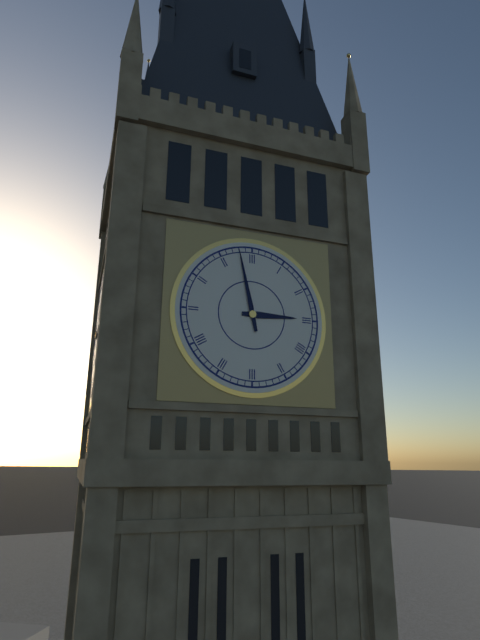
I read {"hour": 2, "minute": 58}
